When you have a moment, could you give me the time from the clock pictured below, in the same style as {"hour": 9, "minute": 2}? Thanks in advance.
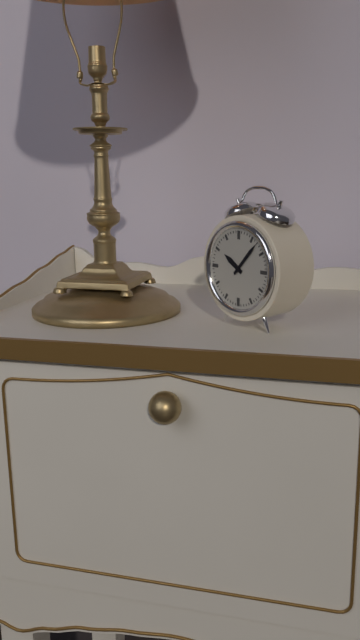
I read {"hour": 10, "minute": 7}
